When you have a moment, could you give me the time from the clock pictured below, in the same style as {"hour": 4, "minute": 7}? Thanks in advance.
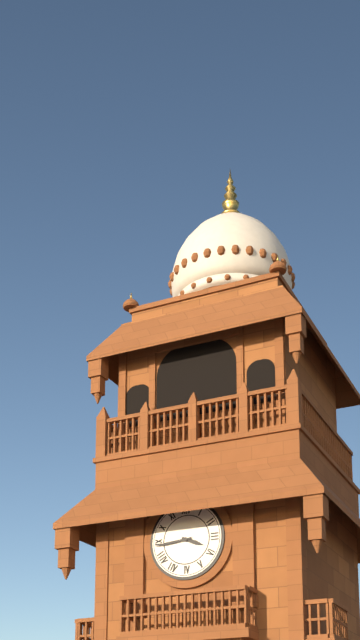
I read {"hour": 3, "minute": 44}
